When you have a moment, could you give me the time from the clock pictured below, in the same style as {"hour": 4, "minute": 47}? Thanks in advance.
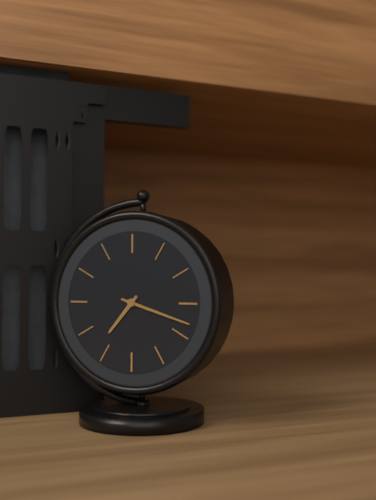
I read {"hour": 7, "minute": 18}
